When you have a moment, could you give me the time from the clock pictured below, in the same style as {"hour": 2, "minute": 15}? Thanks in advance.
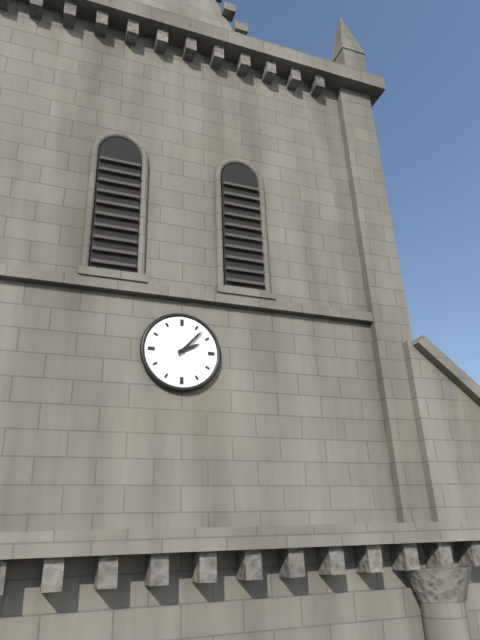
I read {"hour": 2, "minute": 7}
